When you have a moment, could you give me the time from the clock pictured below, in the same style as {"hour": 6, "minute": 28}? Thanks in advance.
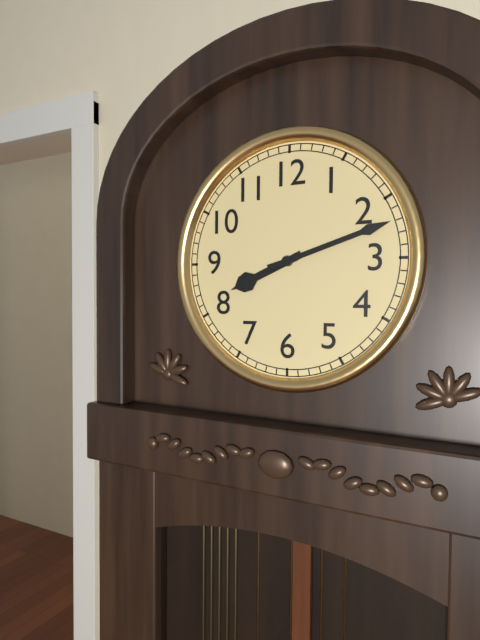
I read {"hour": 8, "minute": 12}
